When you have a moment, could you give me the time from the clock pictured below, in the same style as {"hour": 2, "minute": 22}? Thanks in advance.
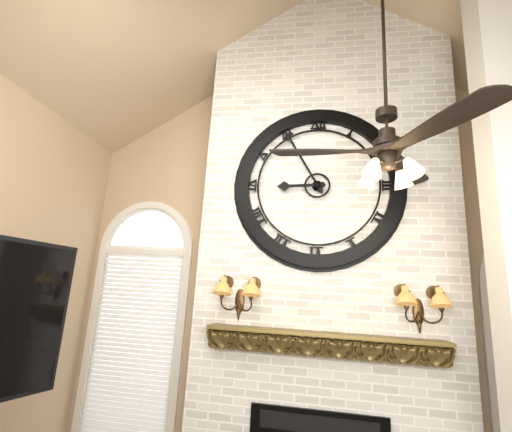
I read {"hour": 8, "minute": 55}
